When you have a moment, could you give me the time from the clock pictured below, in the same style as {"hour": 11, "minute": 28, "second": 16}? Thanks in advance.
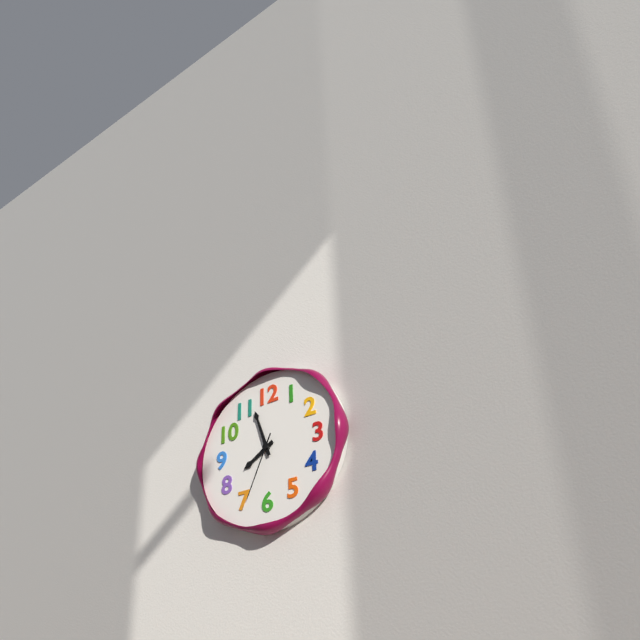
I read {"hour": 7, "minute": 57, "second": 34}
